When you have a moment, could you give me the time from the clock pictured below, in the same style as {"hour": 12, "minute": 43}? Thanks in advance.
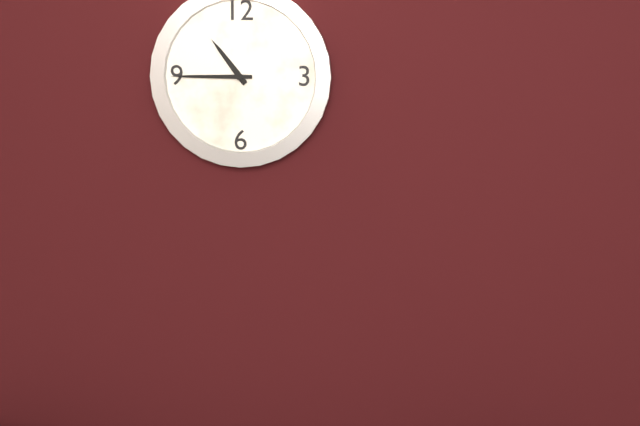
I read {"hour": 10, "minute": 45}
